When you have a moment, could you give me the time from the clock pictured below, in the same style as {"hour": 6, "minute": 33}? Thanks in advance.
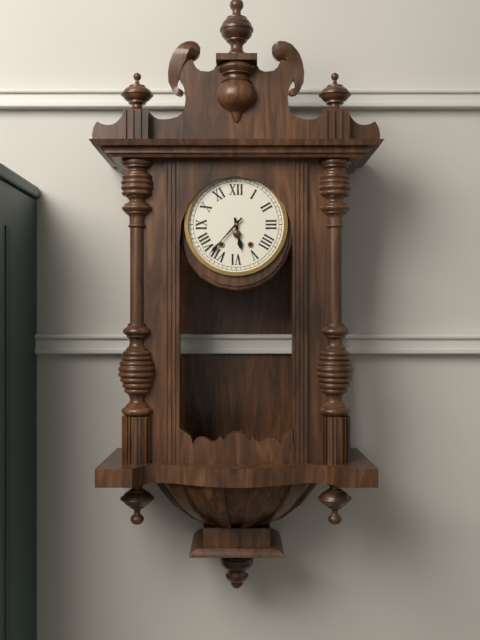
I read {"hour": 5, "minute": 37}
